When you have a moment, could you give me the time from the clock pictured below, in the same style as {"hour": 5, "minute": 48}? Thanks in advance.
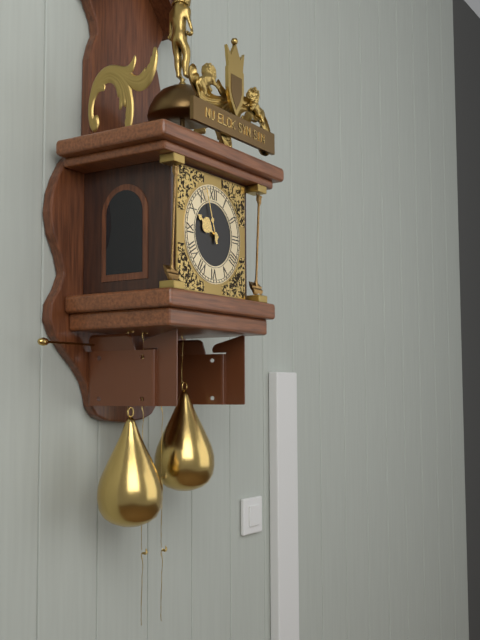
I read {"hour": 9, "minute": 57}
